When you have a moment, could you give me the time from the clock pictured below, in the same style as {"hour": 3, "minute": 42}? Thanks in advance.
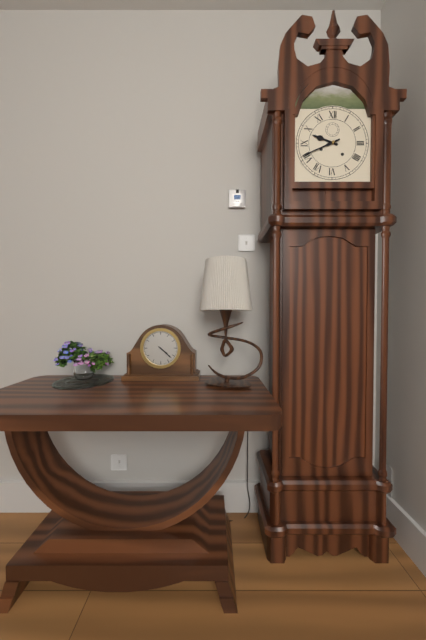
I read {"hour": 9, "minute": 41}
